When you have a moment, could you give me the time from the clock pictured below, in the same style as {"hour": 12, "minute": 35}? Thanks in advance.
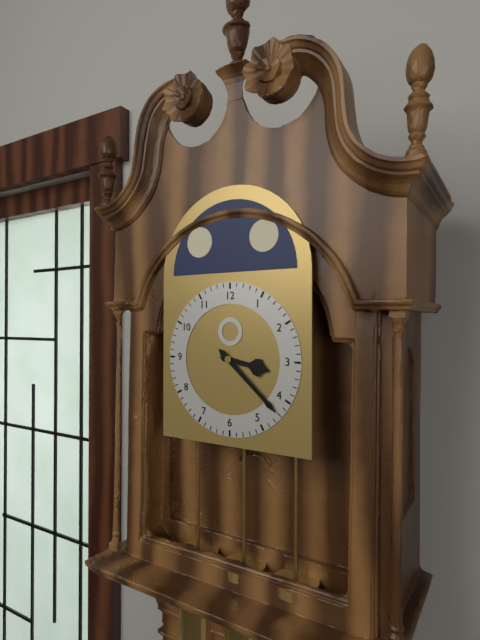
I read {"hour": 3, "minute": 22}
